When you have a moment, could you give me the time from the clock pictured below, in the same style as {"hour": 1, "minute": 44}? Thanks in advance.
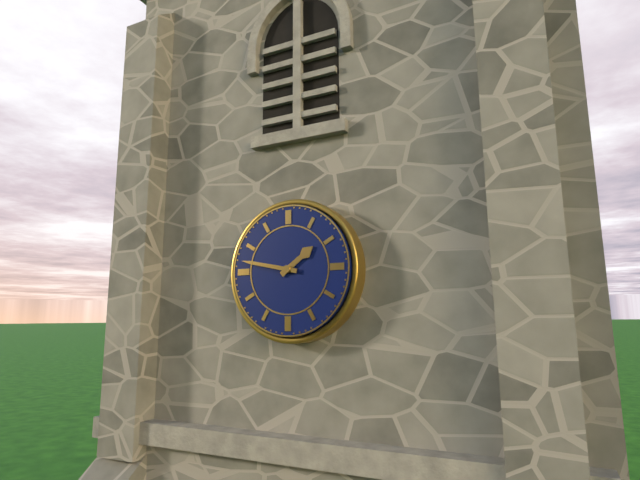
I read {"hour": 1, "minute": 47}
